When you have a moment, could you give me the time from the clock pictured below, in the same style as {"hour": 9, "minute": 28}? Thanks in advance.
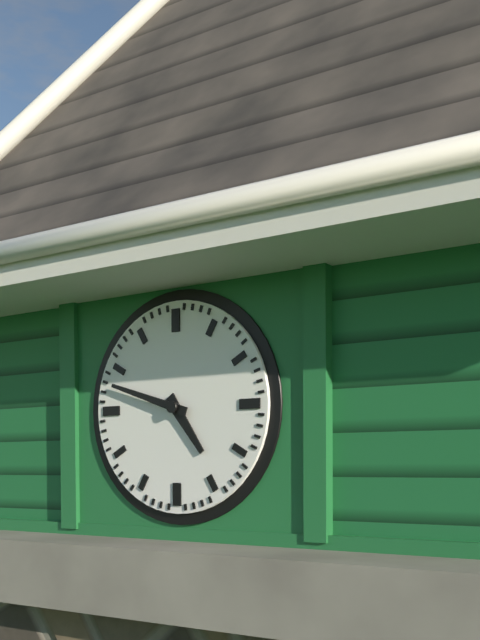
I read {"hour": 4, "minute": 48}
